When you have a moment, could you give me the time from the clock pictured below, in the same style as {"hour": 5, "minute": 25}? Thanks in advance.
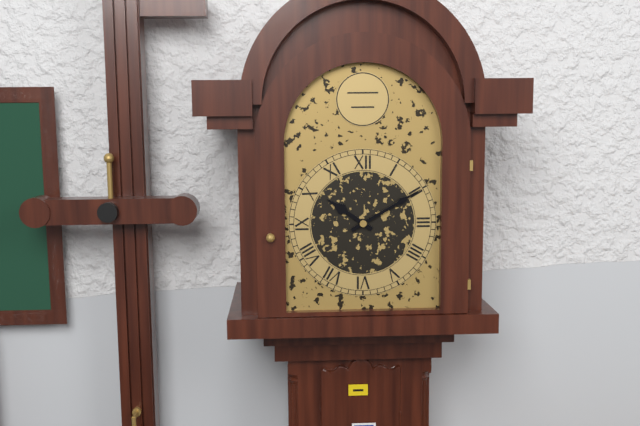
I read {"hour": 10, "minute": 10}
